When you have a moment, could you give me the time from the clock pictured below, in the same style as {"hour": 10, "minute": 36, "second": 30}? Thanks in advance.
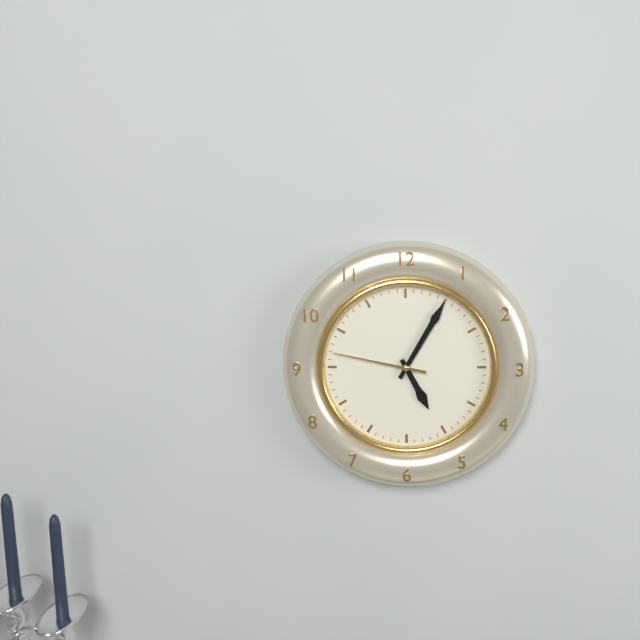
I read {"hour": 5, "minute": 5, "second": 47}
